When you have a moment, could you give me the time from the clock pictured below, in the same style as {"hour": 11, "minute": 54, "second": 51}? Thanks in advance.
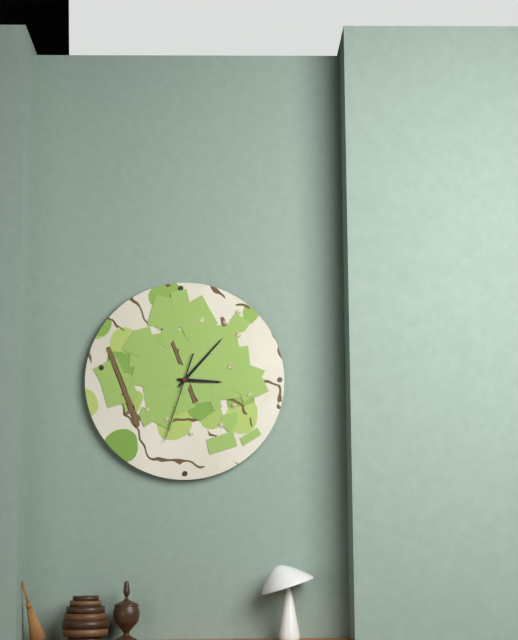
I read {"hour": 3, "minute": 7, "second": 33}
